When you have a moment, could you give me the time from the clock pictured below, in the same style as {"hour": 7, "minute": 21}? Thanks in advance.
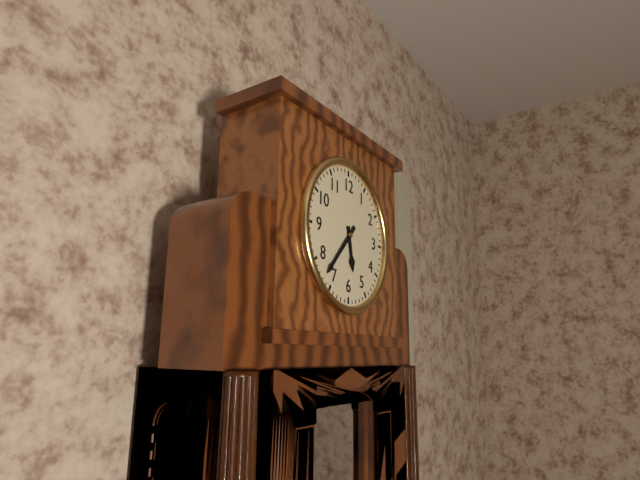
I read {"hour": 5, "minute": 37}
